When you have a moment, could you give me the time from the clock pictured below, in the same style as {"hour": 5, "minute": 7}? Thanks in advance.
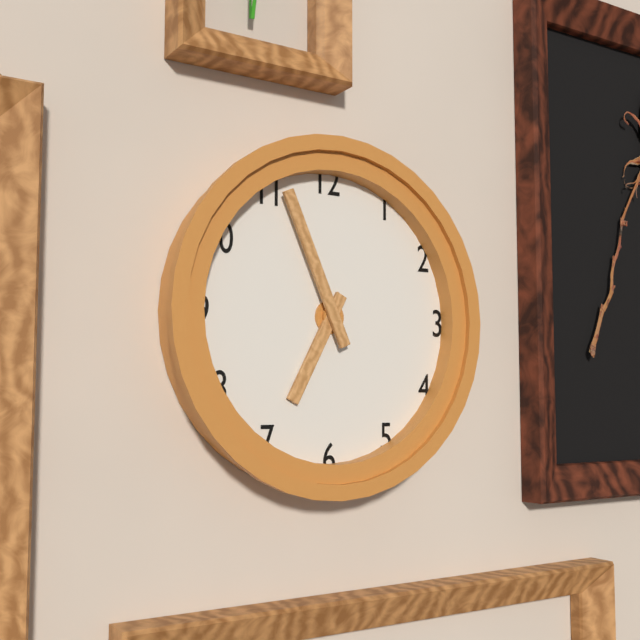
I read {"hour": 6, "minute": 56}
